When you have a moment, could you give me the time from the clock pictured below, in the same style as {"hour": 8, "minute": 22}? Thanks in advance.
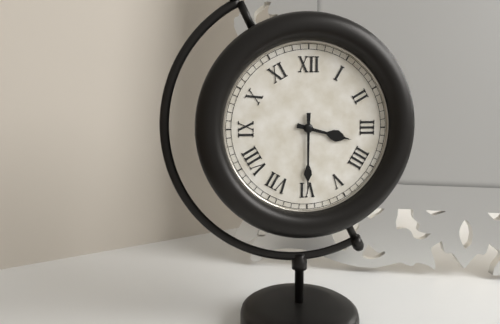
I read {"hour": 3, "minute": 30}
